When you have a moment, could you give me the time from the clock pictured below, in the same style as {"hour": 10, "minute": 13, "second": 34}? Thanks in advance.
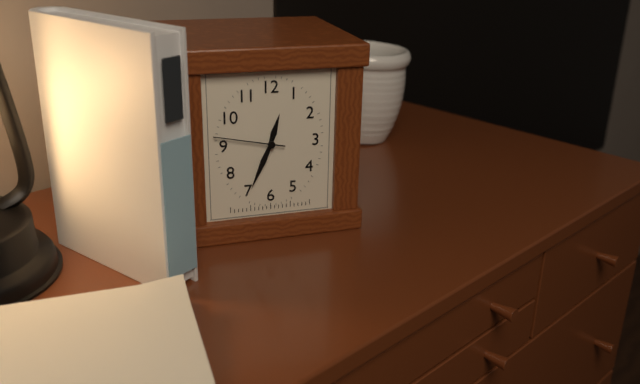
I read {"hour": 12, "minute": 34, "second": 47}
